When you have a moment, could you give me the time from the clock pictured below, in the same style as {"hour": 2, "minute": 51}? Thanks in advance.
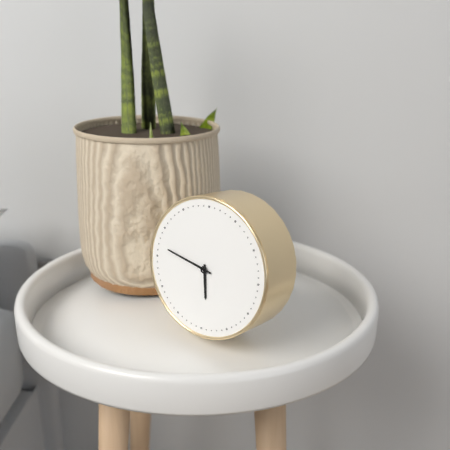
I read {"hour": 5, "minute": 47}
